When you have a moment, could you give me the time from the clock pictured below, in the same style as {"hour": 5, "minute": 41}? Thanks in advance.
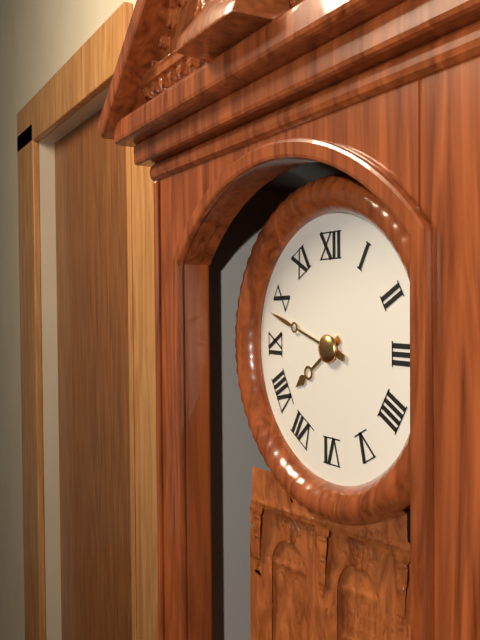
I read {"hour": 7, "minute": 48}
